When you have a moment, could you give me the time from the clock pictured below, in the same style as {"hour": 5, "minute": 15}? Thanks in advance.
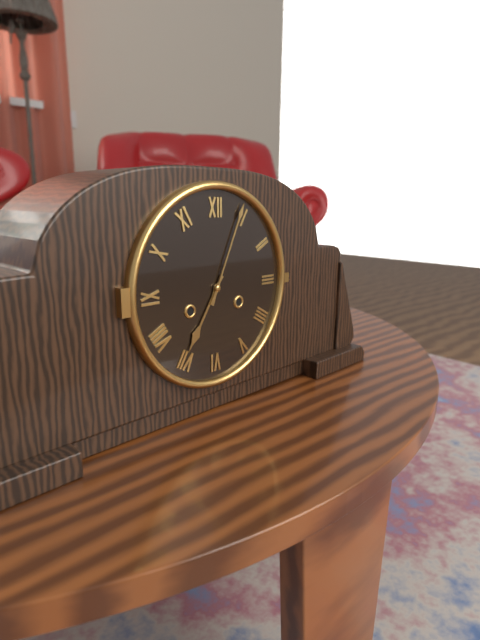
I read {"hour": 7, "minute": 4}
